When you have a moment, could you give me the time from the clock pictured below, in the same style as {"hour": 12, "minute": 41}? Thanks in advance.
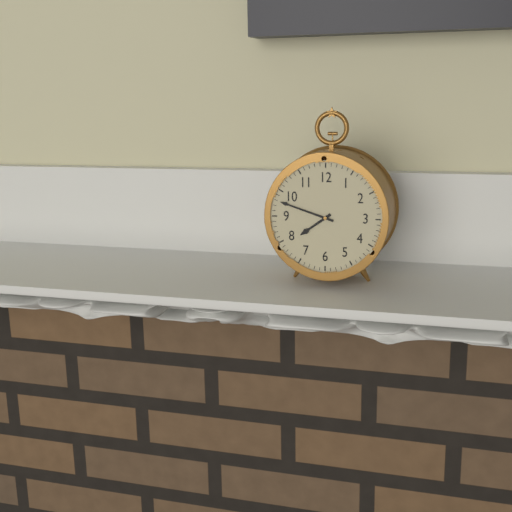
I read {"hour": 7, "minute": 48}
